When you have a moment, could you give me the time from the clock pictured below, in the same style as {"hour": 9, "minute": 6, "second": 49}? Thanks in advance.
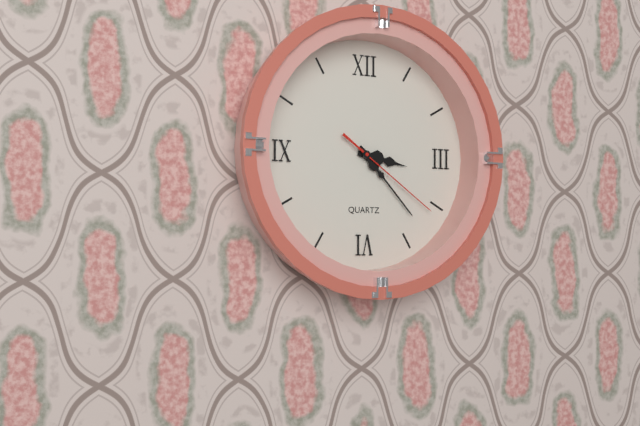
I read {"hour": 3, "minute": 23, "second": 21}
